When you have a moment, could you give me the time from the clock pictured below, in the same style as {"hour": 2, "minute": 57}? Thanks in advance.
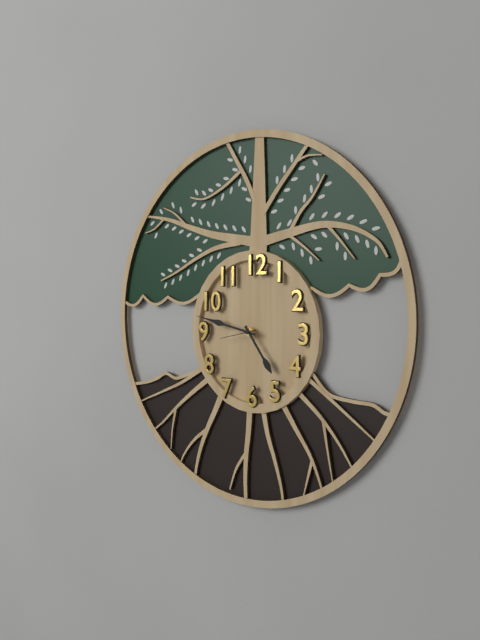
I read {"hour": 4, "minute": 47}
